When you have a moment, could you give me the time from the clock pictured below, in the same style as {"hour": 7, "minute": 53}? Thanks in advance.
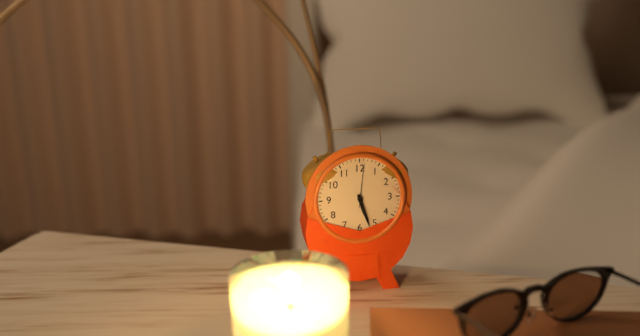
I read {"hour": 5, "minute": 27}
